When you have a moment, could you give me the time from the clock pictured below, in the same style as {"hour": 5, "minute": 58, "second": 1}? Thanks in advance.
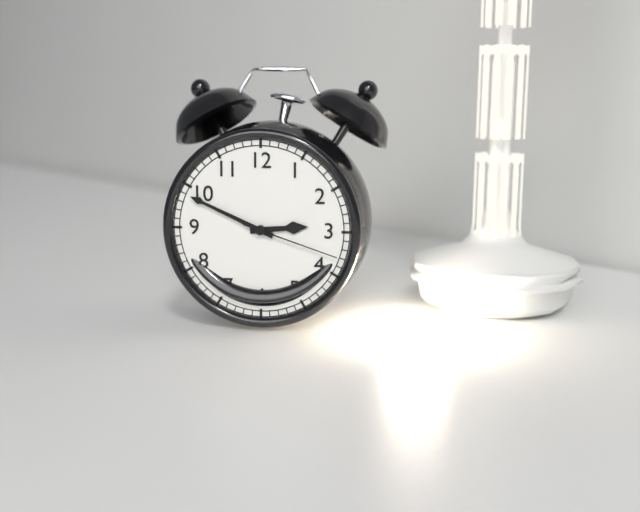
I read {"hour": 2, "minute": 49, "second": 18}
